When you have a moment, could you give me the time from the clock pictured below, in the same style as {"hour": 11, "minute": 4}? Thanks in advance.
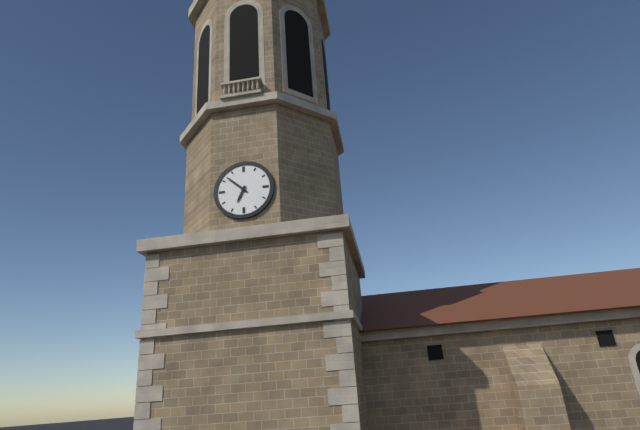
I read {"hour": 6, "minute": 52}
